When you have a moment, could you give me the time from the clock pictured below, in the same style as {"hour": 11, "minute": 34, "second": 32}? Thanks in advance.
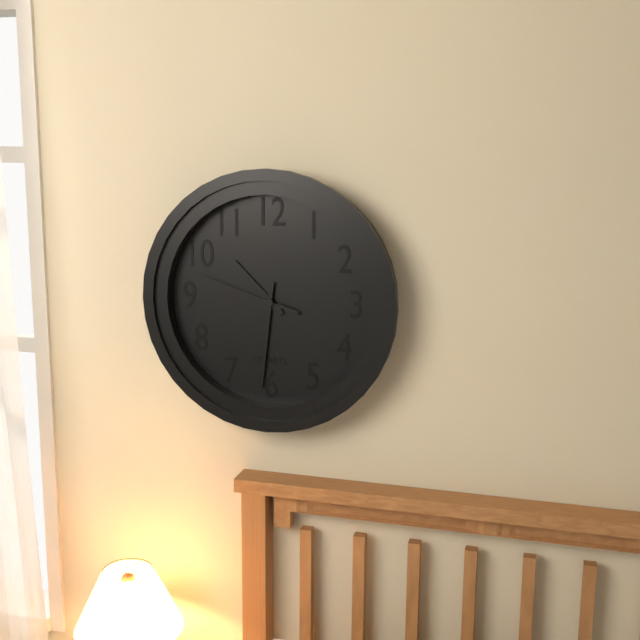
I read {"hour": 10, "minute": 31, "second": 48}
